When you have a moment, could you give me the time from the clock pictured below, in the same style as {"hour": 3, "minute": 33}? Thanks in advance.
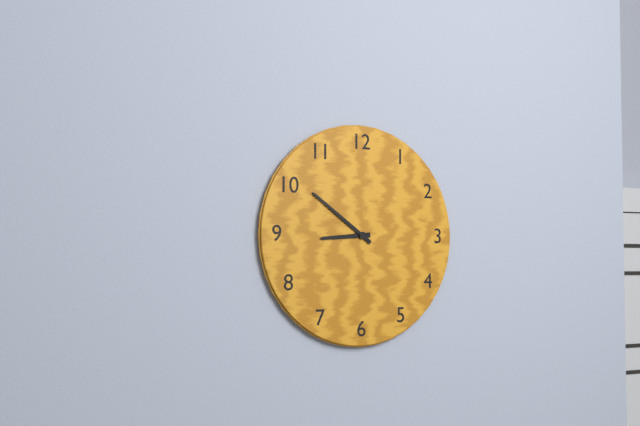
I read {"hour": 8, "minute": 51}
